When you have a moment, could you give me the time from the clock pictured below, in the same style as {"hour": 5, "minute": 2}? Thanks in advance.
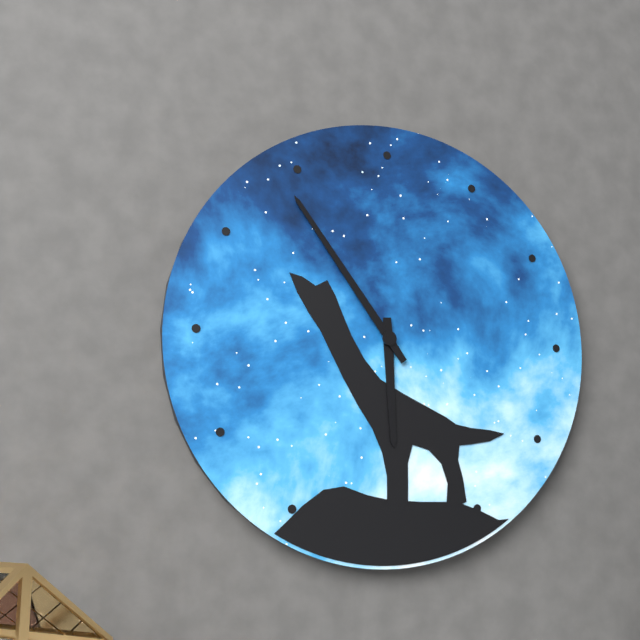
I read {"hour": 5, "minute": 54}
